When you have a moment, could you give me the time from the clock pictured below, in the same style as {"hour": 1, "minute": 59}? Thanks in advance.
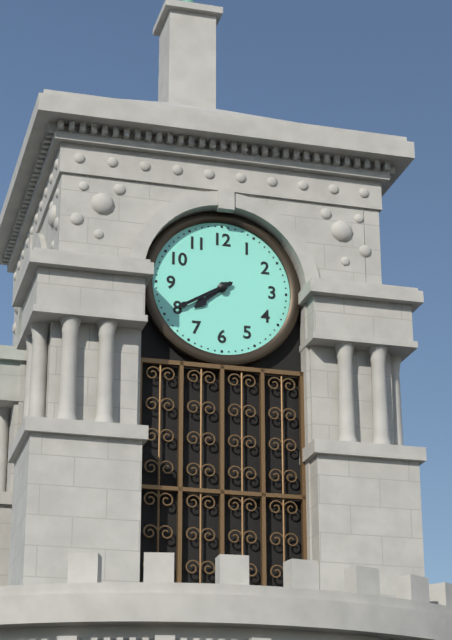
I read {"hour": 7, "minute": 40}
